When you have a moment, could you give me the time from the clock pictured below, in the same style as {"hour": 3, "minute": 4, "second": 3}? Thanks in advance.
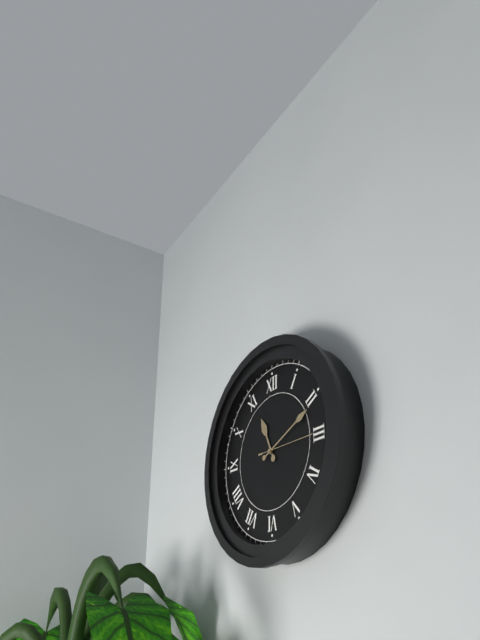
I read {"hour": 11, "minute": 11, "second": 15}
